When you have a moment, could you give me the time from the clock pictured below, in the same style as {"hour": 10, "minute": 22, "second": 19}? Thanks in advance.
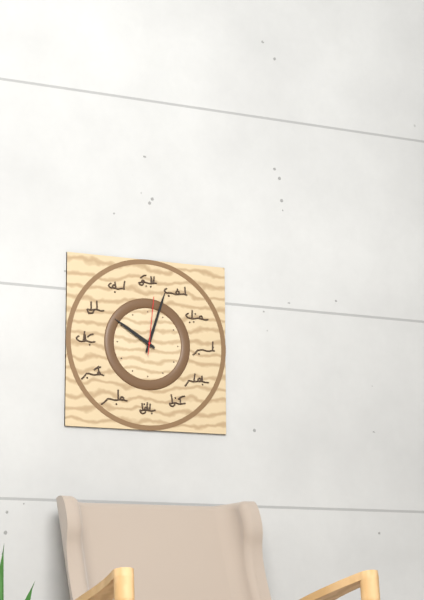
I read {"hour": 10, "minute": 3, "second": 1}
